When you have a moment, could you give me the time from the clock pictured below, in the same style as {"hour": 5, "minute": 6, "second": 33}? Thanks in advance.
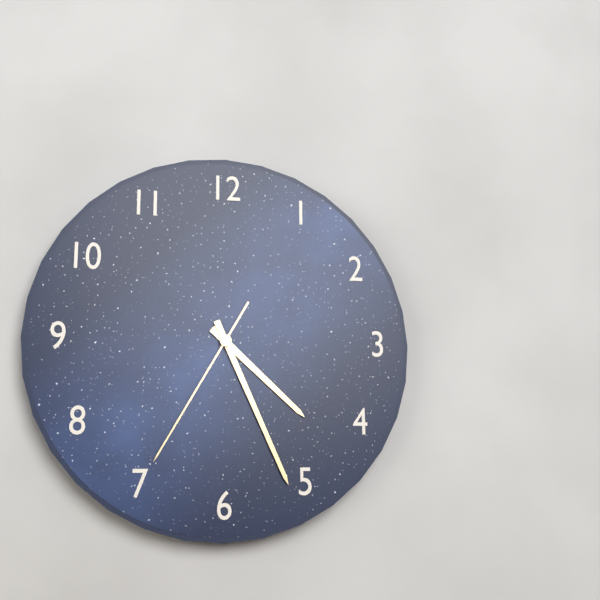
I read {"hour": 4, "minute": 26, "second": 35}
